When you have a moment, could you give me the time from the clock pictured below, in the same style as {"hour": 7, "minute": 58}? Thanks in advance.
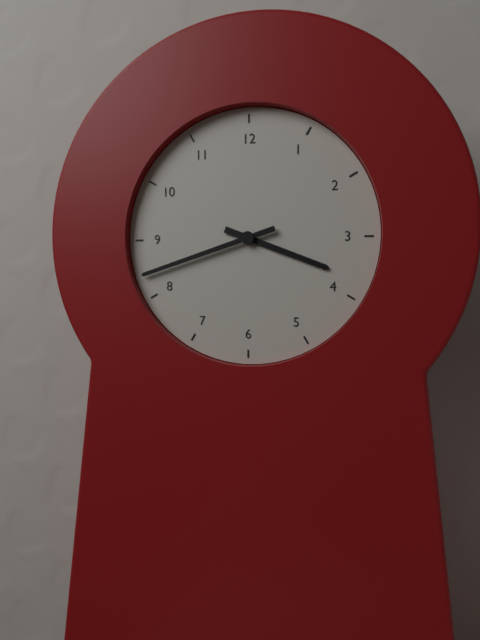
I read {"hour": 3, "minute": 42}
